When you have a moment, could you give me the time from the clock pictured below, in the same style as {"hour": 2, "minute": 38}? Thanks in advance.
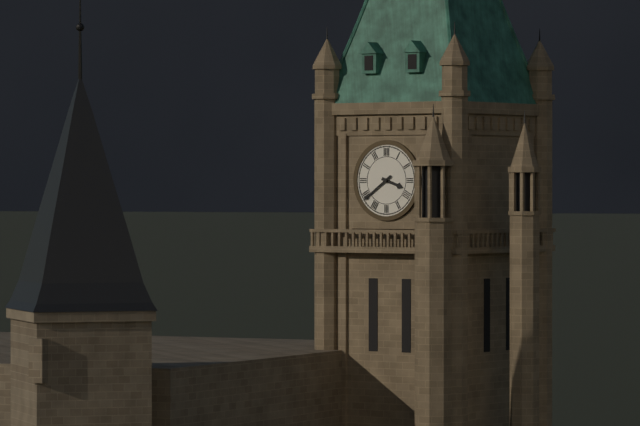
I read {"hour": 3, "minute": 39}
